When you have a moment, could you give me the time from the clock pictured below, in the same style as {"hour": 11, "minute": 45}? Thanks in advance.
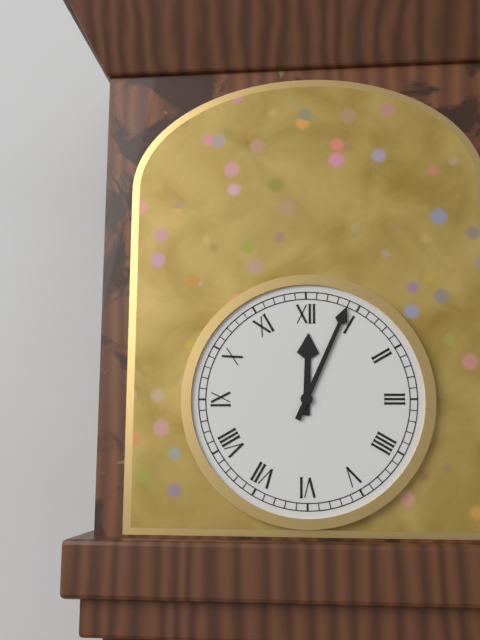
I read {"hour": 12, "minute": 4}
